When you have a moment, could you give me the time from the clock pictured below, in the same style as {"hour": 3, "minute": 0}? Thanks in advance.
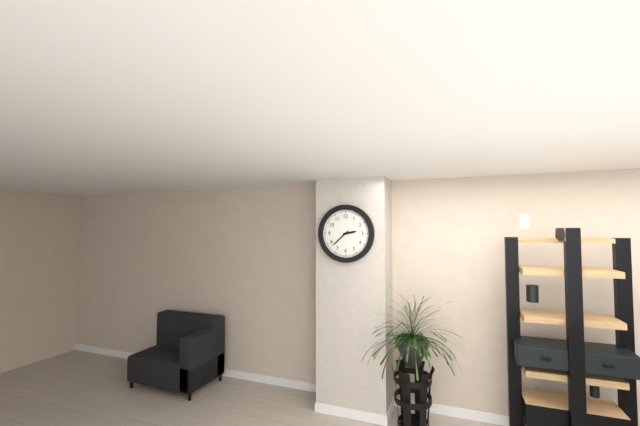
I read {"hour": 2, "minute": 38}
